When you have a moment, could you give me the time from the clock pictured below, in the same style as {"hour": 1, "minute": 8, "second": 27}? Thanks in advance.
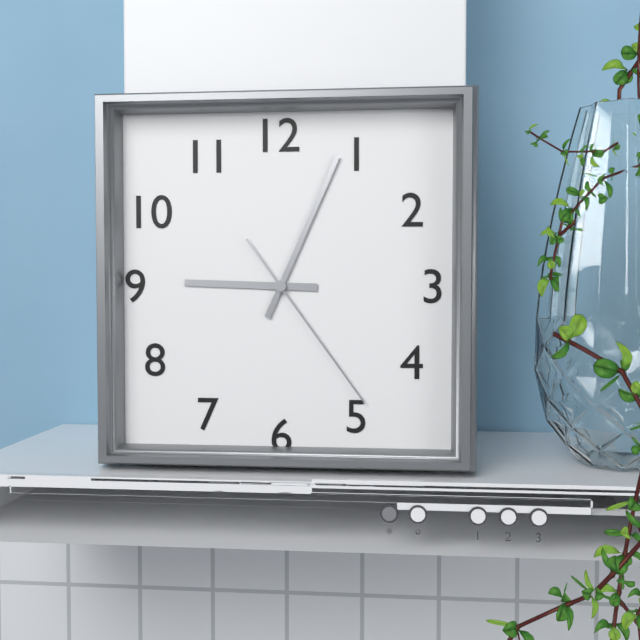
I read {"hour": 9, "minute": 4, "second": 24}
